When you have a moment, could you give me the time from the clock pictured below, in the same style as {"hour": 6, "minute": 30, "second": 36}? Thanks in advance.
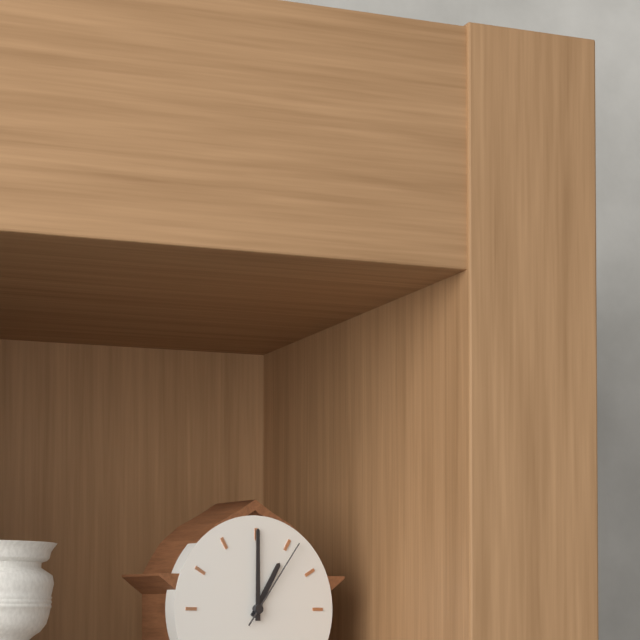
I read {"hour": 1, "minute": 0, "second": 6}
